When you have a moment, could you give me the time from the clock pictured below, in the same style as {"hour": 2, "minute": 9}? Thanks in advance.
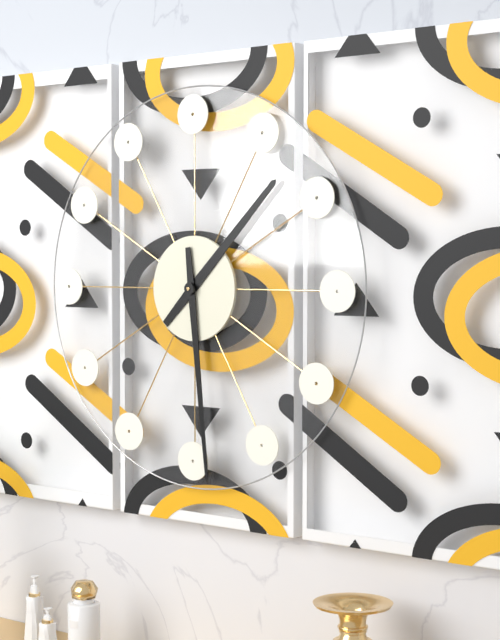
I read {"hour": 1, "minute": 29}
